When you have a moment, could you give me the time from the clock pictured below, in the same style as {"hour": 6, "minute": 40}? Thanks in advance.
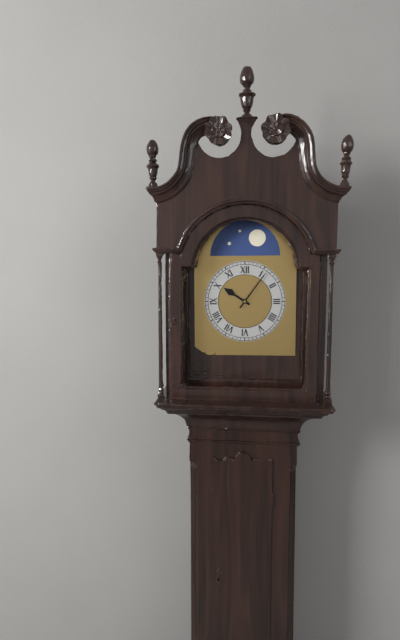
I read {"hour": 10, "minute": 6}
